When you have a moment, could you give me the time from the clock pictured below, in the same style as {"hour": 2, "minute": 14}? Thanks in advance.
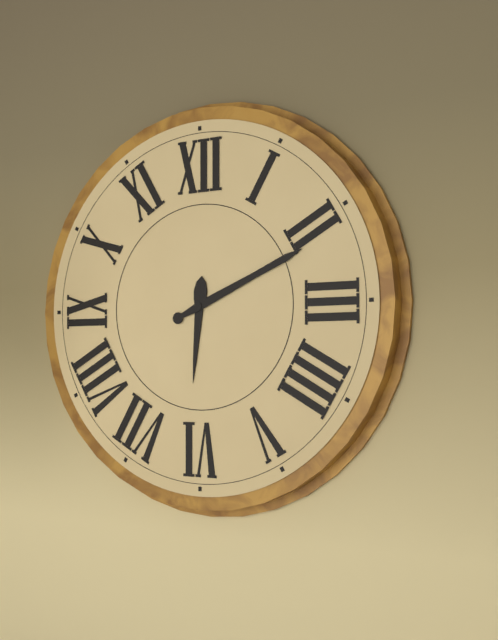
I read {"hour": 6, "minute": 11}
